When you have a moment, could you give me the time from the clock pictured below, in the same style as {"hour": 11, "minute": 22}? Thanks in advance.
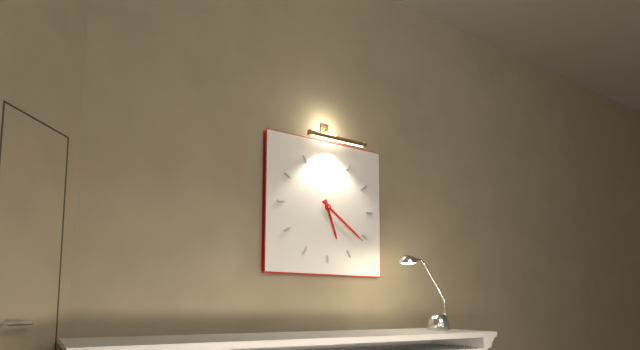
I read {"hour": 5, "minute": 21}
